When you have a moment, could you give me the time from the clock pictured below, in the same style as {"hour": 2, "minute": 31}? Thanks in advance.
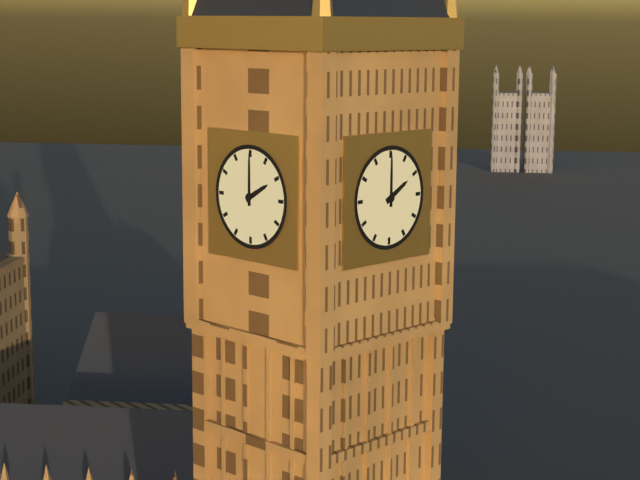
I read {"hour": 2, "minute": 0}
